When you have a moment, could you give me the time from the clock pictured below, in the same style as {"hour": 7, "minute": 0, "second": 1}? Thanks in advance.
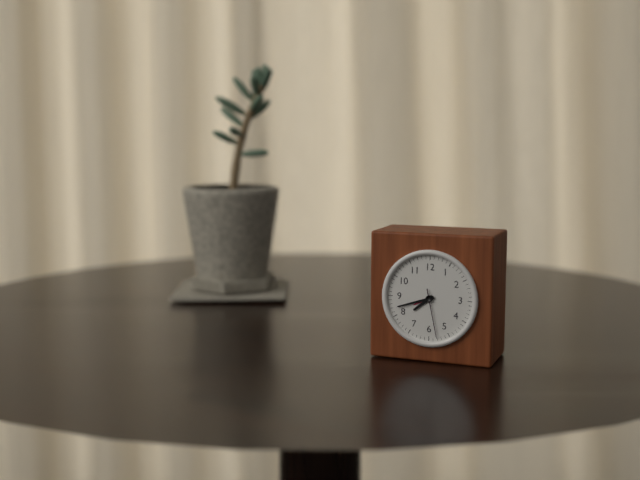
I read {"hour": 7, "minute": 42, "second": 28}
